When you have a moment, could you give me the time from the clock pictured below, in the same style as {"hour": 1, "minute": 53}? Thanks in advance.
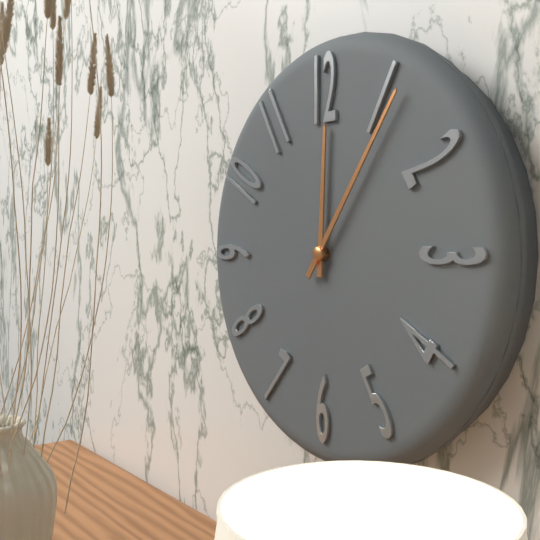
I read {"hour": 12, "minute": 6}
